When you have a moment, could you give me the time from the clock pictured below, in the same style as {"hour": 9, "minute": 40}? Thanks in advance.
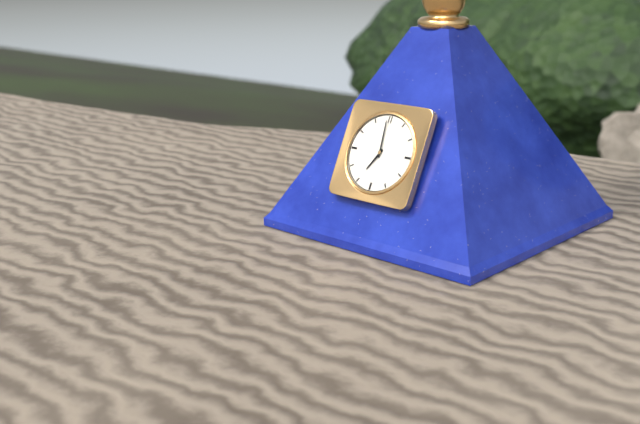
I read {"hour": 6, "minute": 59}
